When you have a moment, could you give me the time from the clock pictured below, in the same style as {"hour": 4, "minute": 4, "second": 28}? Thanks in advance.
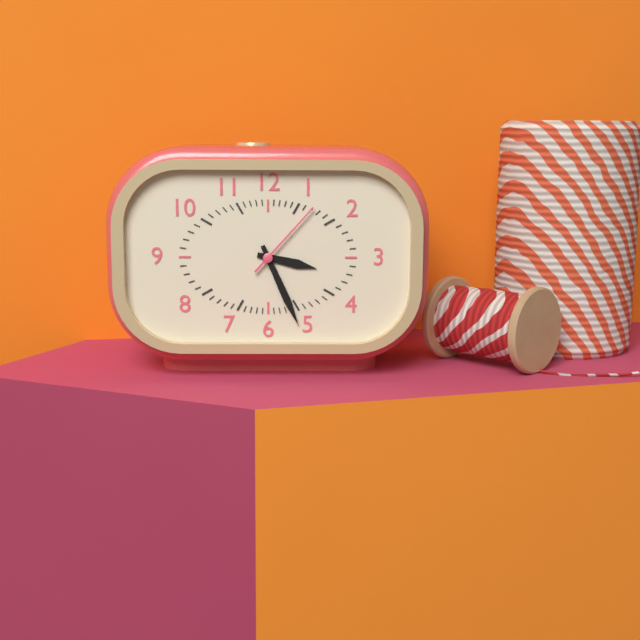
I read {"hour": 3, "minute": 26, "second": 7}
